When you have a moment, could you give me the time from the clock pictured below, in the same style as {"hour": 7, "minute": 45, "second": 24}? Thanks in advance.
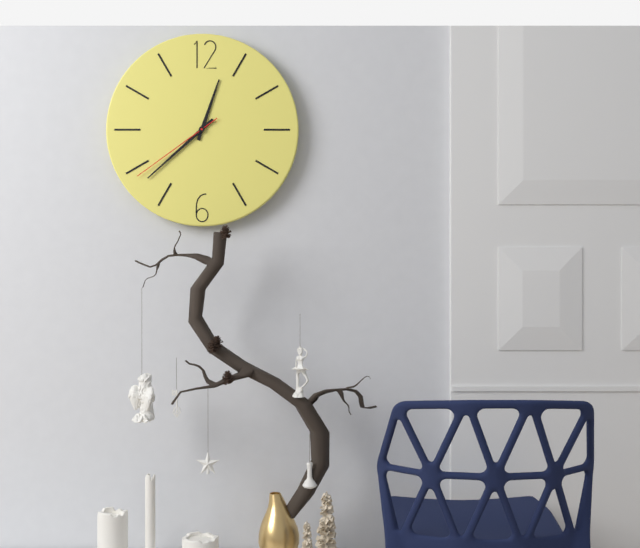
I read {"hour": 12, "minute": 38, "second": 39}
